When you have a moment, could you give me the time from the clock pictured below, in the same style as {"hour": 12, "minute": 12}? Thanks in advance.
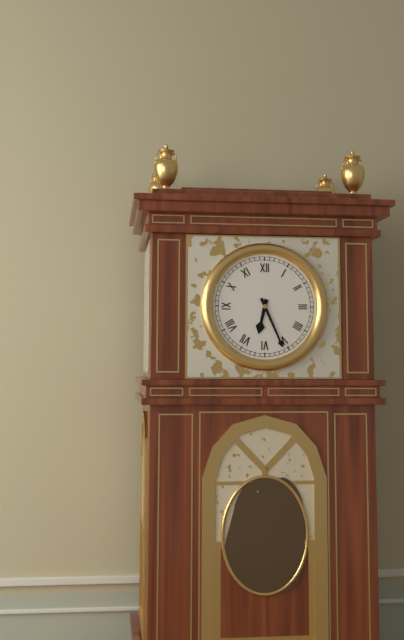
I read {"hour": 6, "minute": 26}
